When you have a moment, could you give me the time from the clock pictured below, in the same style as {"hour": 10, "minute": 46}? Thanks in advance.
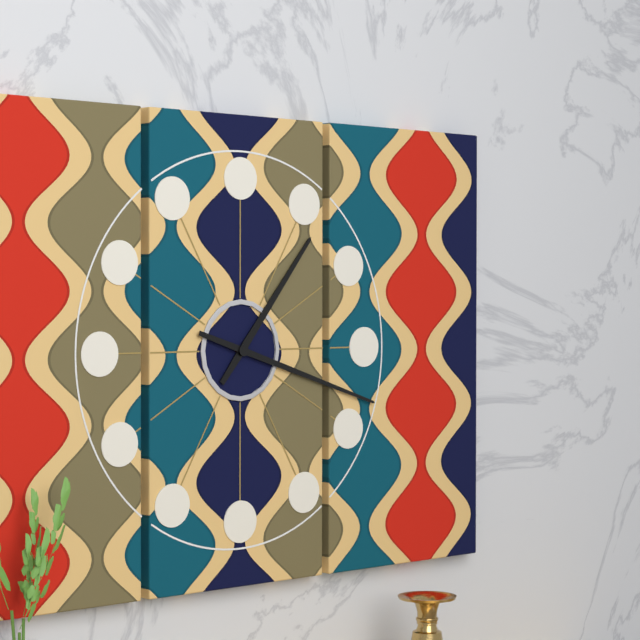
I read {"hour": 1, "minute": 18}
